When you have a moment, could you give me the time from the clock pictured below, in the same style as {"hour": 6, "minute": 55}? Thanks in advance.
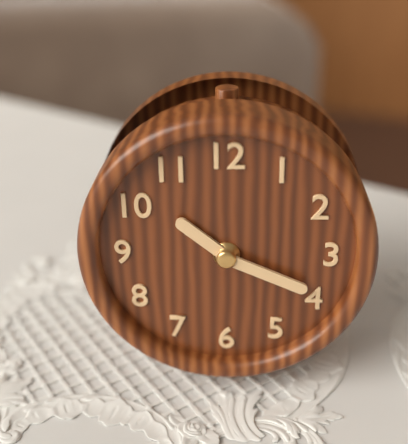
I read {"hour": 10, "minute": 19}
